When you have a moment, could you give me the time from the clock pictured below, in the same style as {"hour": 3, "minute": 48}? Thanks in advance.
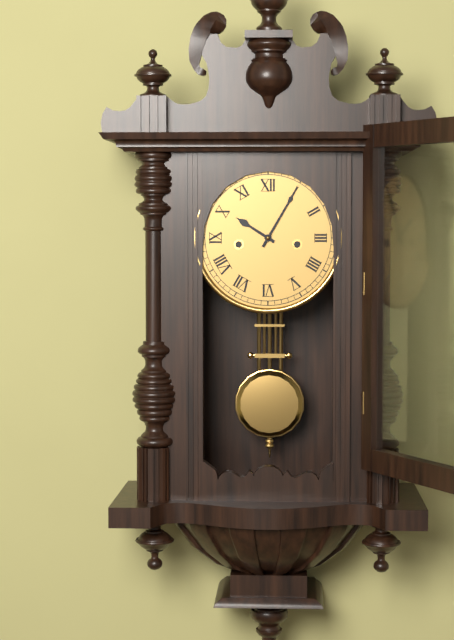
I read {"hour": 10, "minute": 5}
